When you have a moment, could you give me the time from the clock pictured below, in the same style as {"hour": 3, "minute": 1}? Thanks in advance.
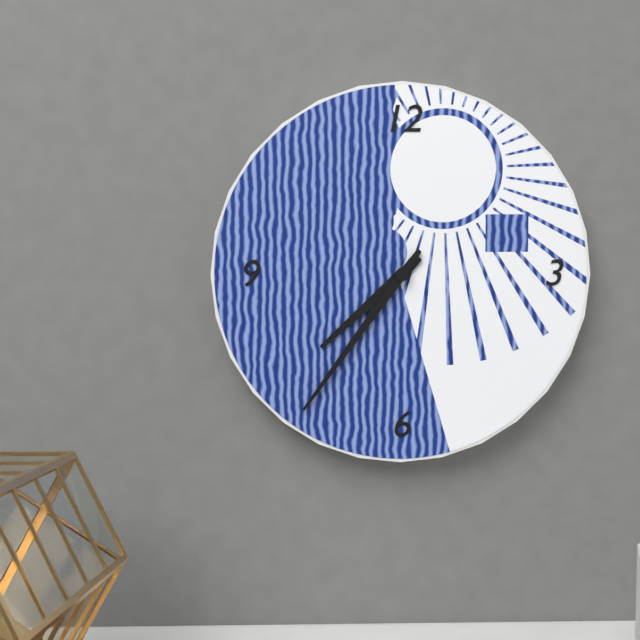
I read {"hour": 7, "minute": 36}
